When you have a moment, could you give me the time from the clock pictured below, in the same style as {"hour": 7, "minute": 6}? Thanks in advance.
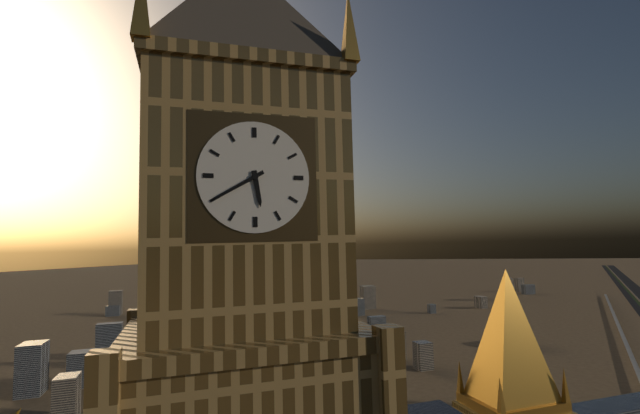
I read {"hour": 5, "minute": 40}
